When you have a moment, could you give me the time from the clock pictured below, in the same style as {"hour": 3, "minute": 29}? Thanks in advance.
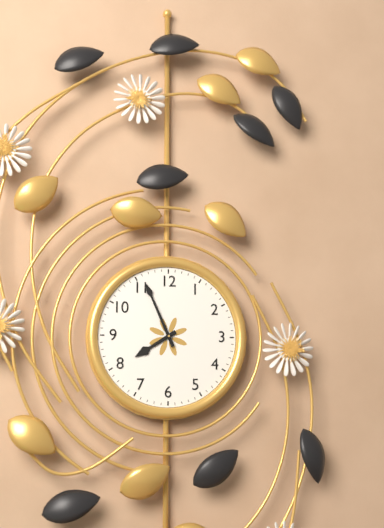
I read {"hour": 7, "minute": 56}
